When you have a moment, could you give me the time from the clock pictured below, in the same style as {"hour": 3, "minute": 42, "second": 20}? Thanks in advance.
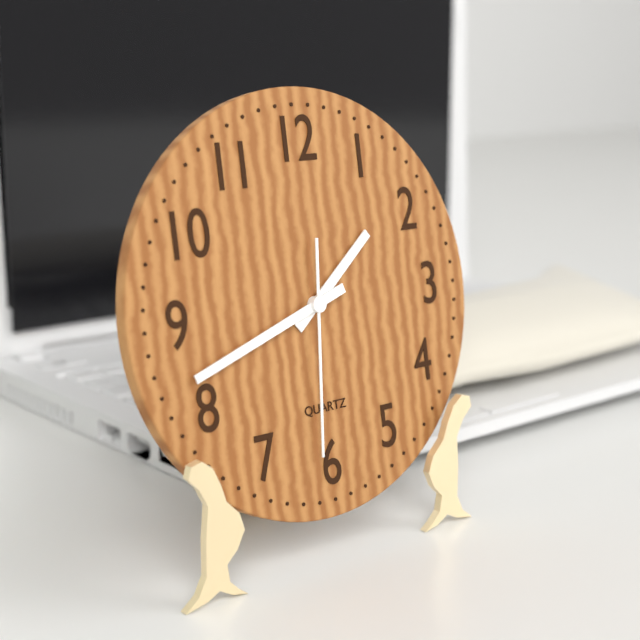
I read {"hour": 1, "minute": 42, "second": 31}
